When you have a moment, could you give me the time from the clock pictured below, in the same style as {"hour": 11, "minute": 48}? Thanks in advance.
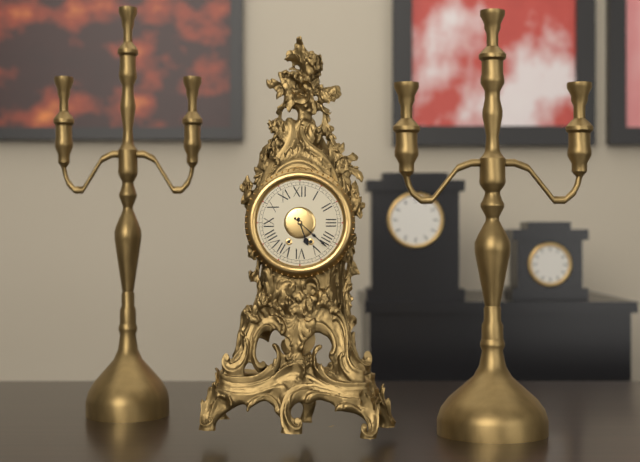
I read {"hour": 5, "minute": 22}
